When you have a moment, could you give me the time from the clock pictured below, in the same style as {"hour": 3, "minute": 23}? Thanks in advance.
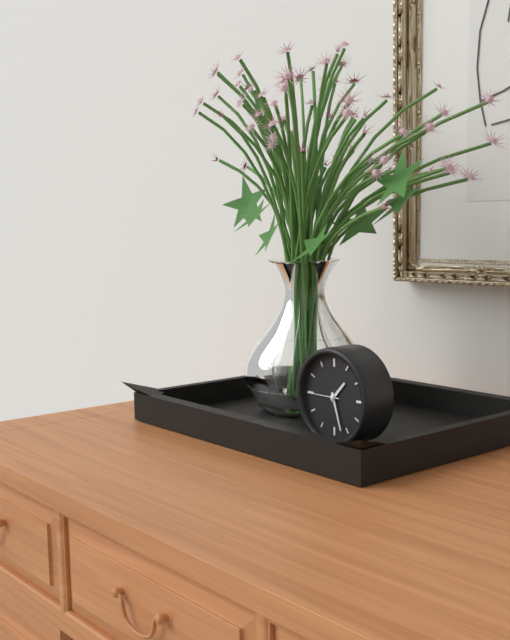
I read {"hour": 1, "minute": 27}
